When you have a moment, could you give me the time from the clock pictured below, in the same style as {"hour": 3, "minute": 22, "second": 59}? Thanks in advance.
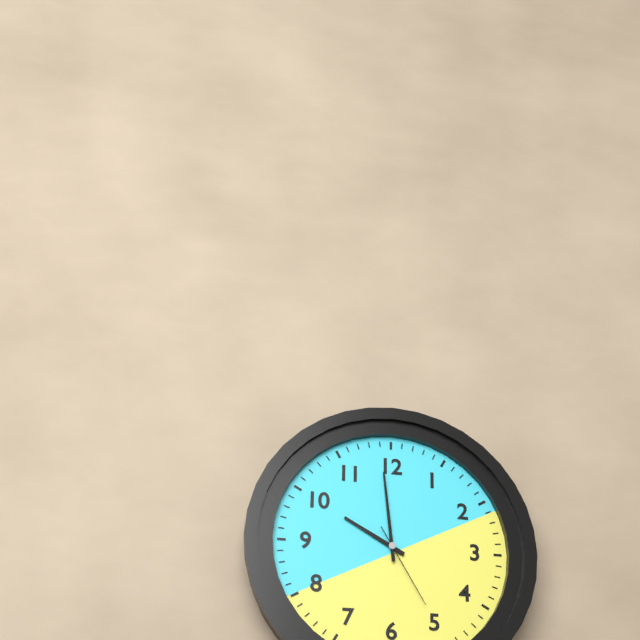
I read {"hour": 9, "minute": 59, "second": 25}
